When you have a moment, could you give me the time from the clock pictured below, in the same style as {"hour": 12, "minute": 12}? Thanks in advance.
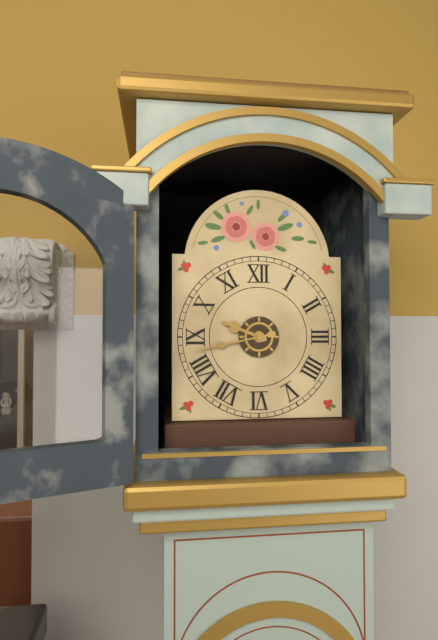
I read {"hour": 9, "minute": 43}
